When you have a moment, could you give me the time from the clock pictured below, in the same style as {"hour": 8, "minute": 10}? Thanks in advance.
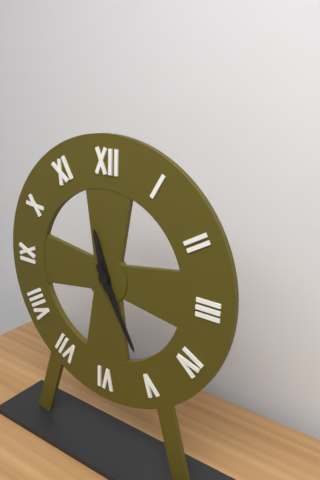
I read {"hour": 11, "minute": 25}
